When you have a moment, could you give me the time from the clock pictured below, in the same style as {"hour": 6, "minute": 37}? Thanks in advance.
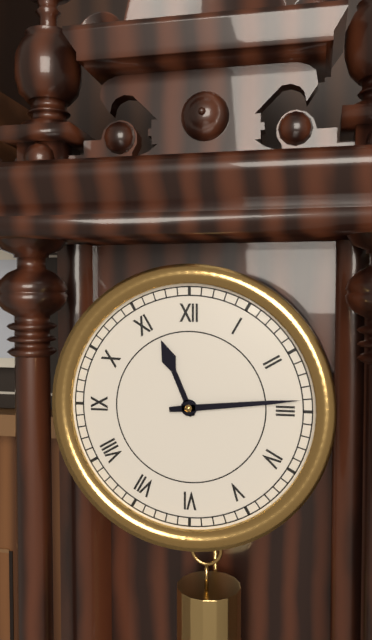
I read {"hour": 11, "minute": 14}
